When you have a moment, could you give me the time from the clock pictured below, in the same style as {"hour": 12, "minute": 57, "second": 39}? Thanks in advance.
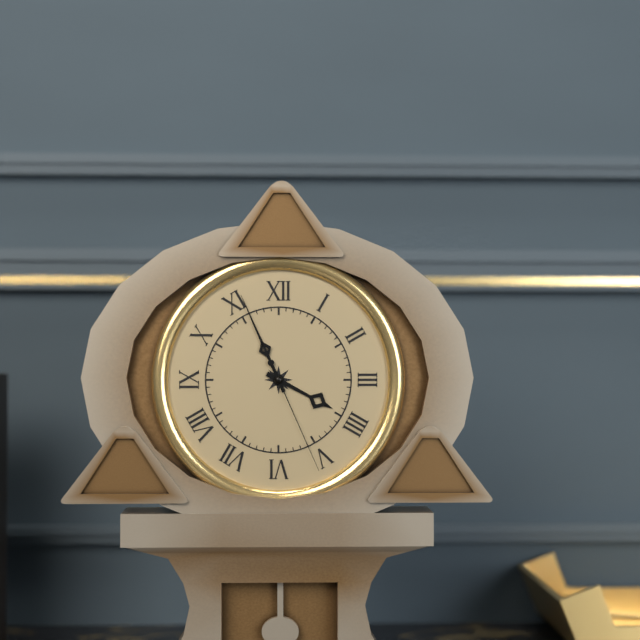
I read {"hour": 3, "minute": 56, "second": 26}
